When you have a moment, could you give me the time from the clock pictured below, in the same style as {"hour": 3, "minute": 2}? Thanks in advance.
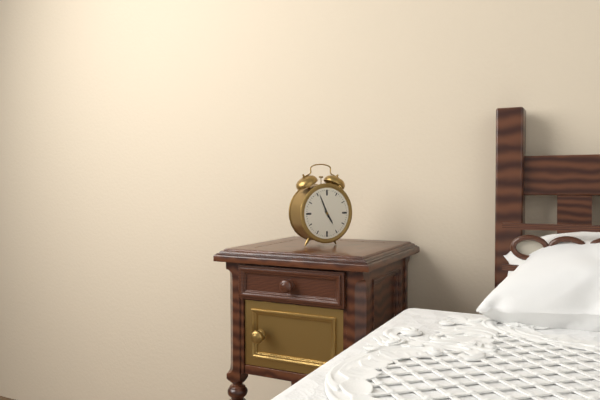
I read {"hour": 4, "minute": 56}
